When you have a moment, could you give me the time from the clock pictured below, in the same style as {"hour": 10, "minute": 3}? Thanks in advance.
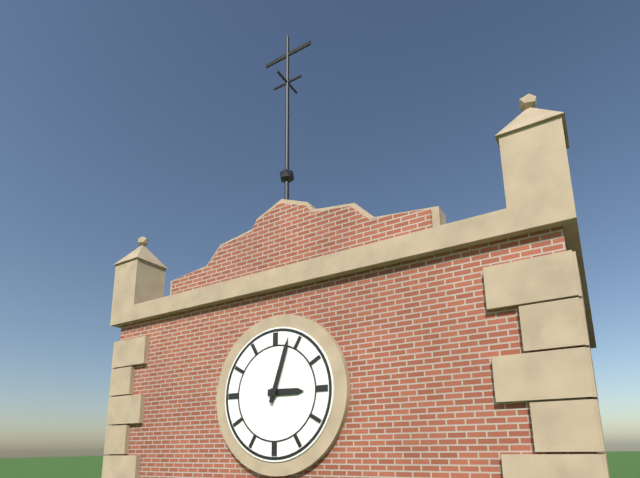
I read {"hour": 3, "minute": 3}
